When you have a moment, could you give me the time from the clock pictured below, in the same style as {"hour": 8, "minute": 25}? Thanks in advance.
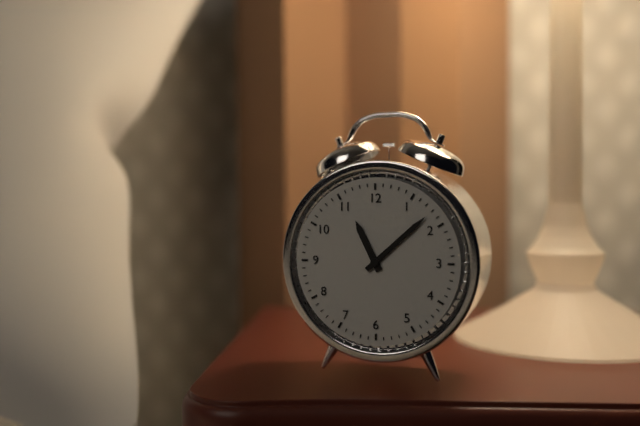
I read {"hour": 11, "minute": 8}
